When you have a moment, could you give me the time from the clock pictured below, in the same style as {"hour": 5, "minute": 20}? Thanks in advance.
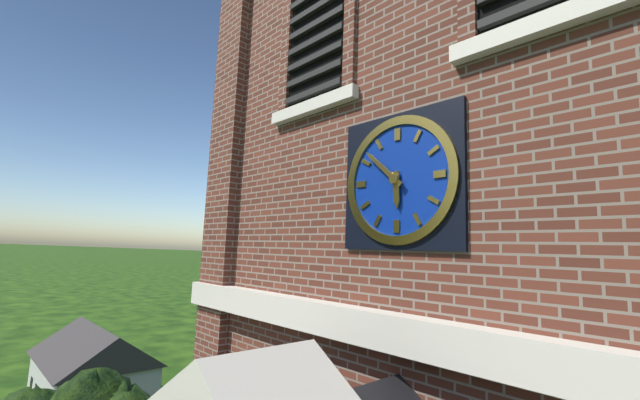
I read {"hour": 5, "minute": 52}
